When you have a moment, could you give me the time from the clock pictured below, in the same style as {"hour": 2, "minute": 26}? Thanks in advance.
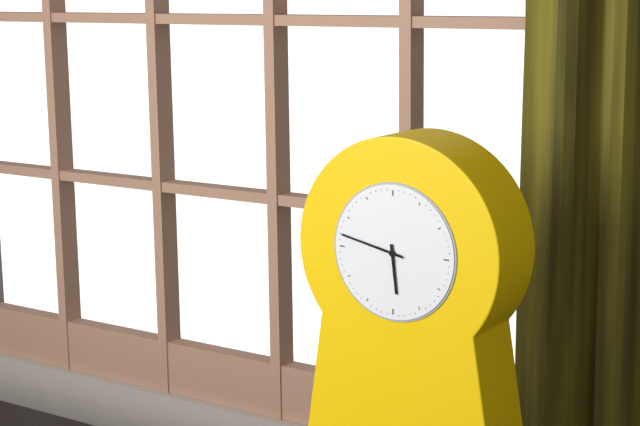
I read {"hour": 5, "minute": 47}
